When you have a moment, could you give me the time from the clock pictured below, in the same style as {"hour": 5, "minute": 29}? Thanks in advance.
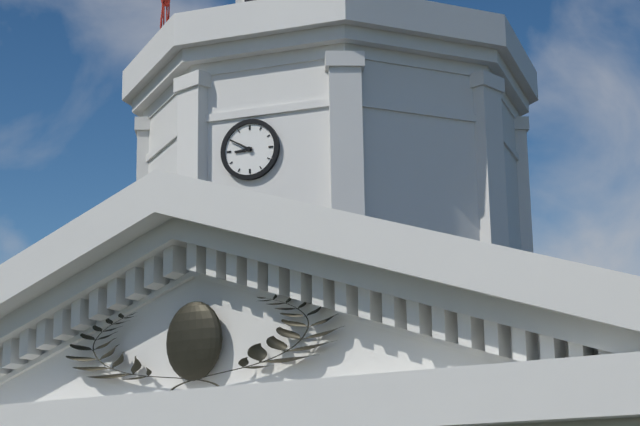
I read {"hour": 8, "minute": 50}
